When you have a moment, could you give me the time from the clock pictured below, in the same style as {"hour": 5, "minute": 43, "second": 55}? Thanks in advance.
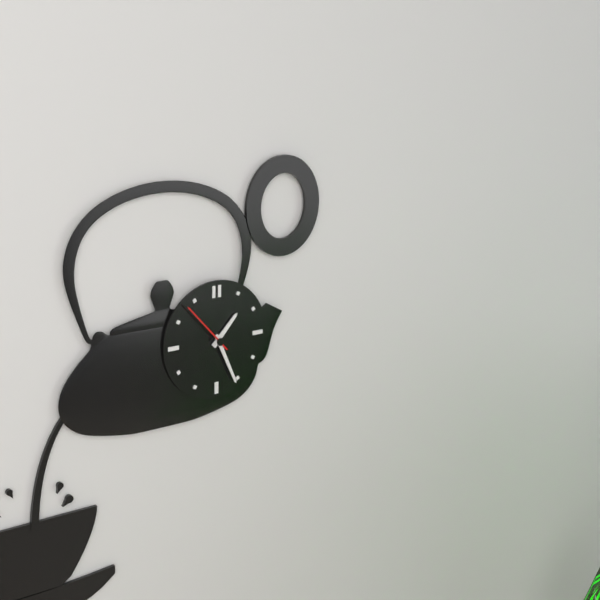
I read {"hour": 1, "minute": 26, "second": 53}
